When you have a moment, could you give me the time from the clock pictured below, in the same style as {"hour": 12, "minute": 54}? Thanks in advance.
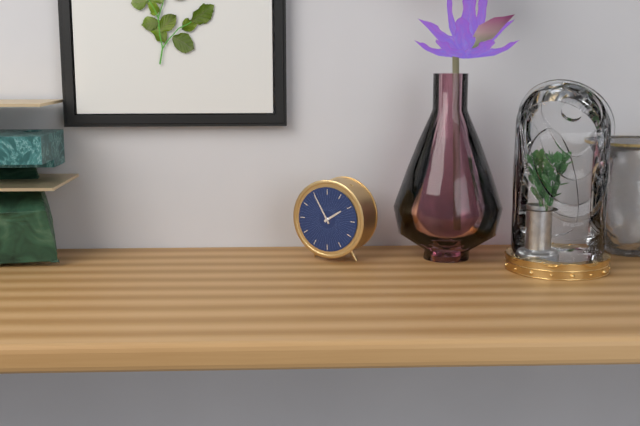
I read {"hour": 1, "minute": 55}
